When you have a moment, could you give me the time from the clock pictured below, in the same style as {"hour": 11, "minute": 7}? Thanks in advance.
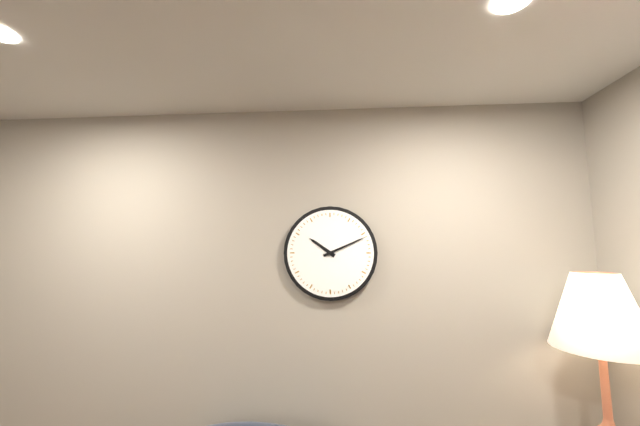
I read {"hour": 10, "minute": 11}
